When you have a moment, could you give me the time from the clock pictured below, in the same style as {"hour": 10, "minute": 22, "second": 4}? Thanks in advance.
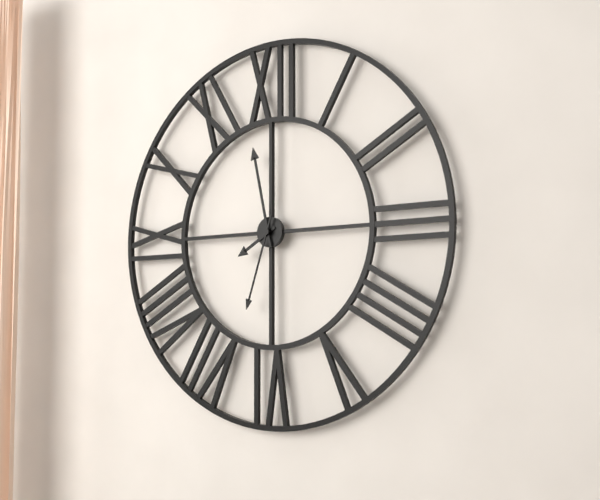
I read {"hour": 7, "minute": 58, "second": 33}
